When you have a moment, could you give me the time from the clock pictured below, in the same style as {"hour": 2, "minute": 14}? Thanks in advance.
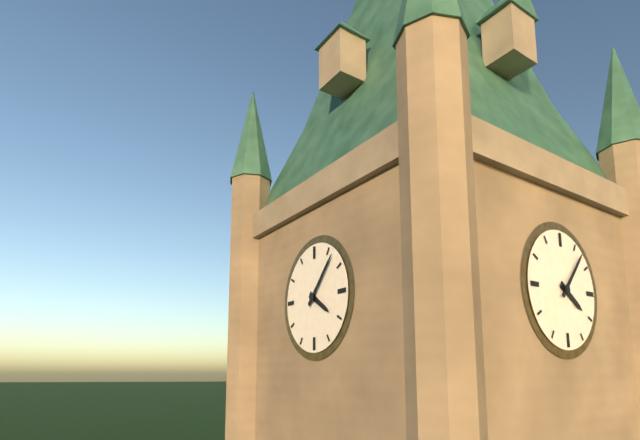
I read {"hour": 4, "minute": 7}
